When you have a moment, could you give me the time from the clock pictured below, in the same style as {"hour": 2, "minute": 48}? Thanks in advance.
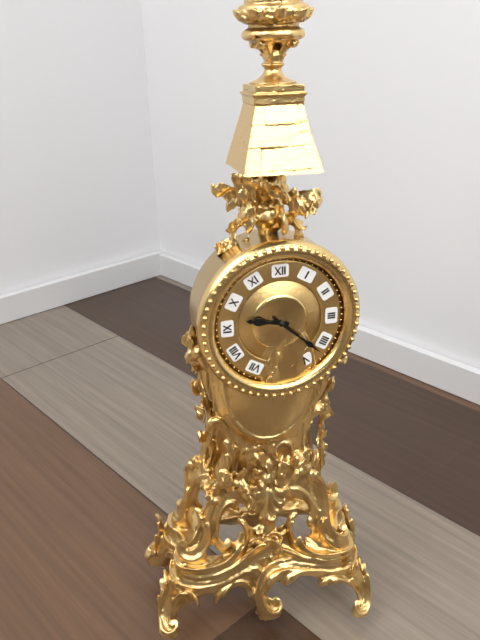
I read {"hour": 9, "minute": 22}
